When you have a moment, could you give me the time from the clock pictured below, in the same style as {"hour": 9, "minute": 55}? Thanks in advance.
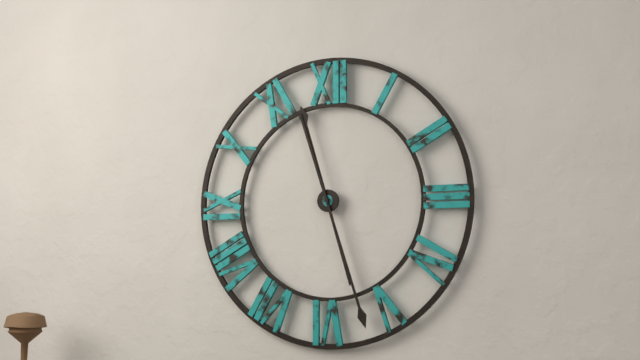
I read {"hour": 11, "minute": 27}
